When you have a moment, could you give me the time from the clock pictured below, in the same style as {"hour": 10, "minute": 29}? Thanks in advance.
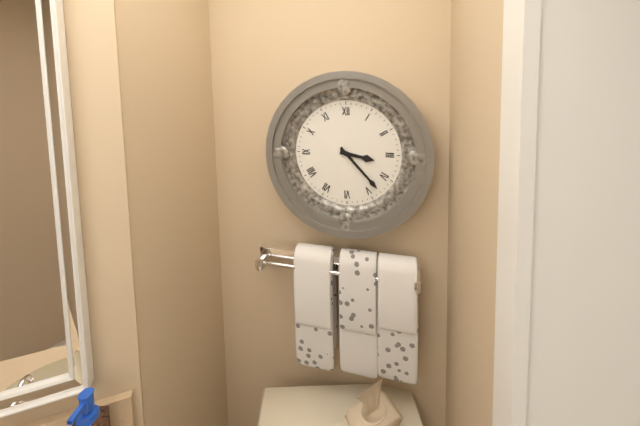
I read {"hour": 3, "minute": 23}
